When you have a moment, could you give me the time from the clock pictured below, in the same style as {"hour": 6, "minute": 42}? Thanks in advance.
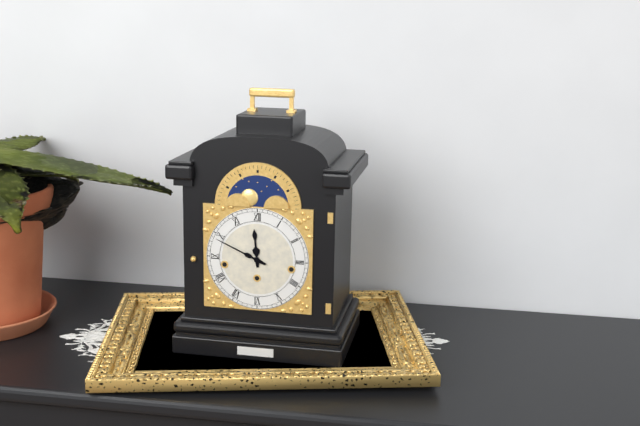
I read {"hour": 11, "minute": 49}
